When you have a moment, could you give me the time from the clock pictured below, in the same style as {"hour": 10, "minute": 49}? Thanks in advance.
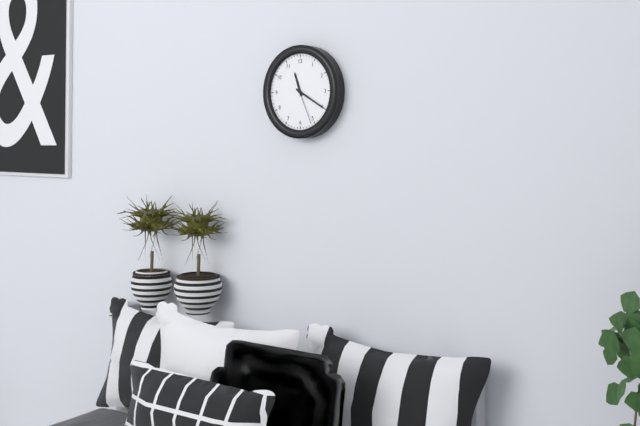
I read {"hour": 11, "minute": 20}
